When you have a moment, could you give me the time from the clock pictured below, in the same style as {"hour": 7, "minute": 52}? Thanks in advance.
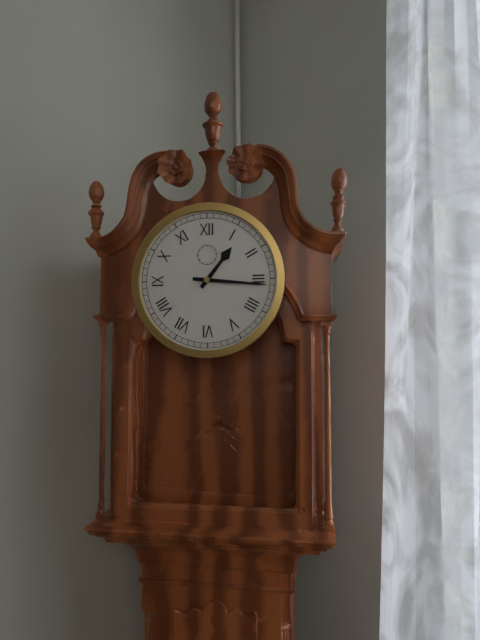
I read {"hour": 1, "minute": 16}
